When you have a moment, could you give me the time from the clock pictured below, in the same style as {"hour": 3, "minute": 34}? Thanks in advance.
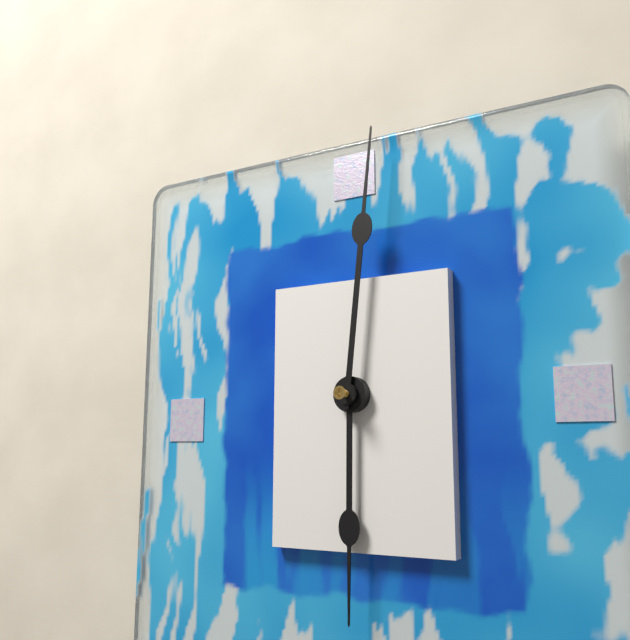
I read {"hour": 6, "minute": 1}
